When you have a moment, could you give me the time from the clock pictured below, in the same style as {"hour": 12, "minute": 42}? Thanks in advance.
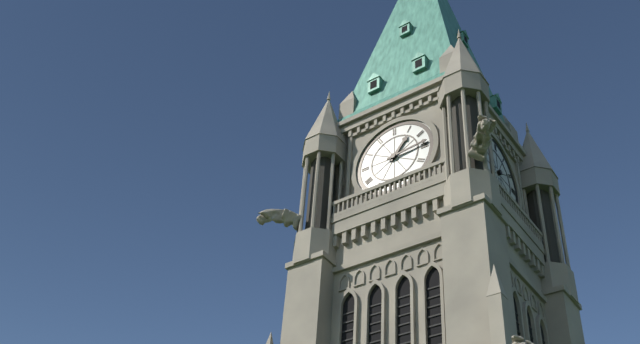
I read {"hour": 1, "minute": 14}
